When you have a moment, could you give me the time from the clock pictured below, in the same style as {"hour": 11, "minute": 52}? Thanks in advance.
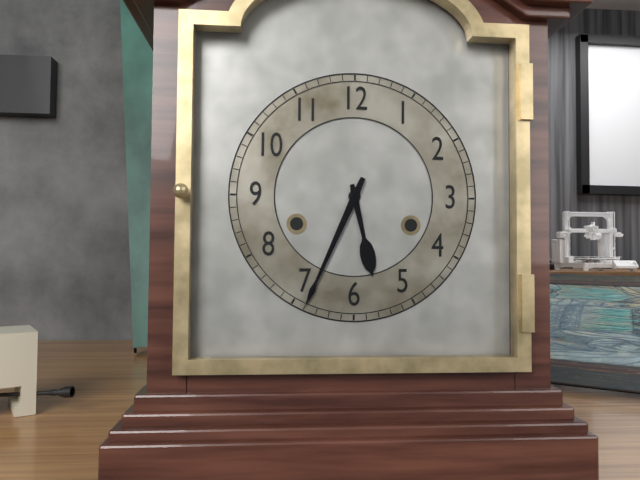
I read {"hour": 5, "minute": 34}
